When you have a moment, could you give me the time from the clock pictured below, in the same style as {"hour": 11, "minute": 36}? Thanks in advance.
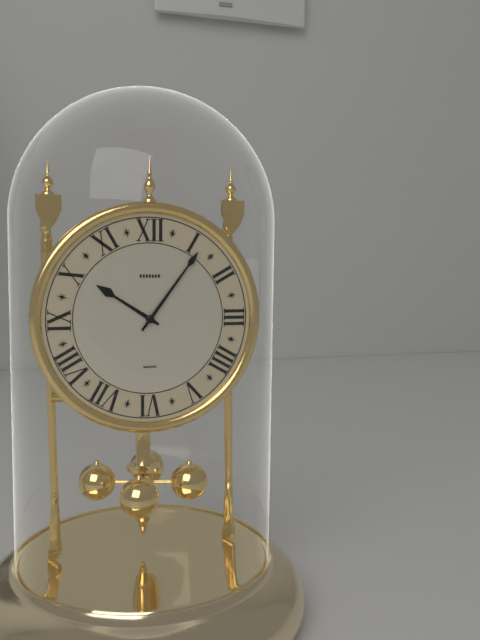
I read {"hour": 10, "minute": 6}
